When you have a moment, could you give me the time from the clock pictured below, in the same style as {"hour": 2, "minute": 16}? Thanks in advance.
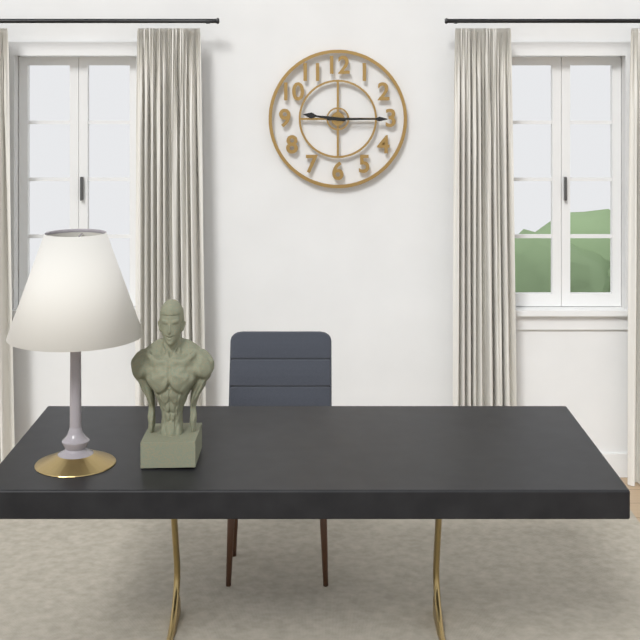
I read {"hour": 9, "minute": 15}
